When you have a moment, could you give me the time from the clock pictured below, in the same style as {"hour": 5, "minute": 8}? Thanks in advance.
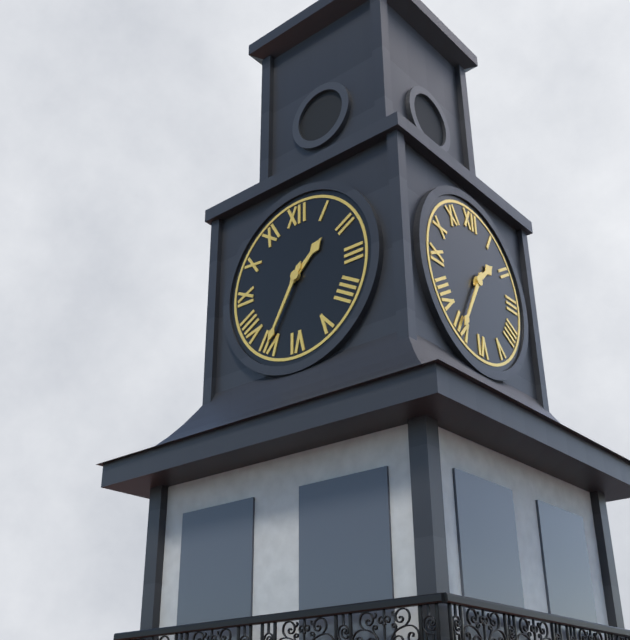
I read {"hour": 1, "minute": 35}
